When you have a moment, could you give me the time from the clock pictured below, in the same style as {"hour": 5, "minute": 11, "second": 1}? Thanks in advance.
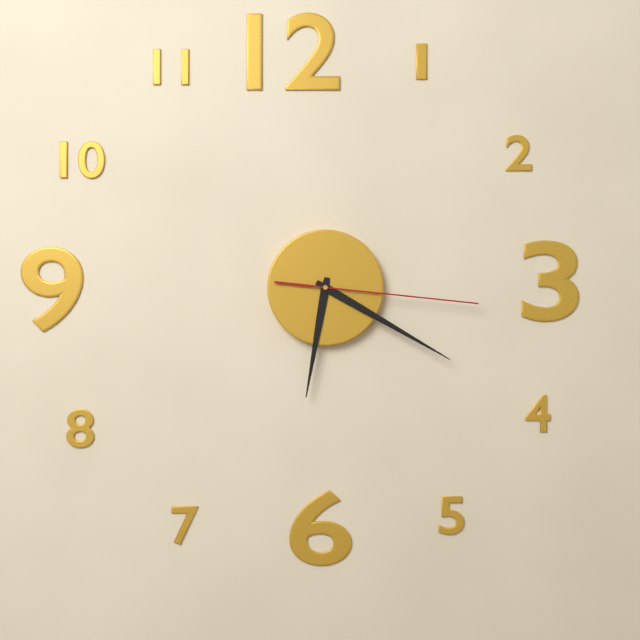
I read {"hour": 6, "minute": 20, "second": 16}
